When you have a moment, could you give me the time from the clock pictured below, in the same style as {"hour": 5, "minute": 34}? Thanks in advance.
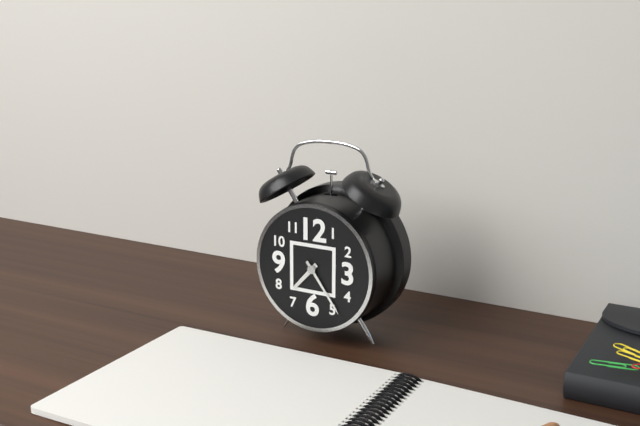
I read {"hour": 7, "minute": 24}
